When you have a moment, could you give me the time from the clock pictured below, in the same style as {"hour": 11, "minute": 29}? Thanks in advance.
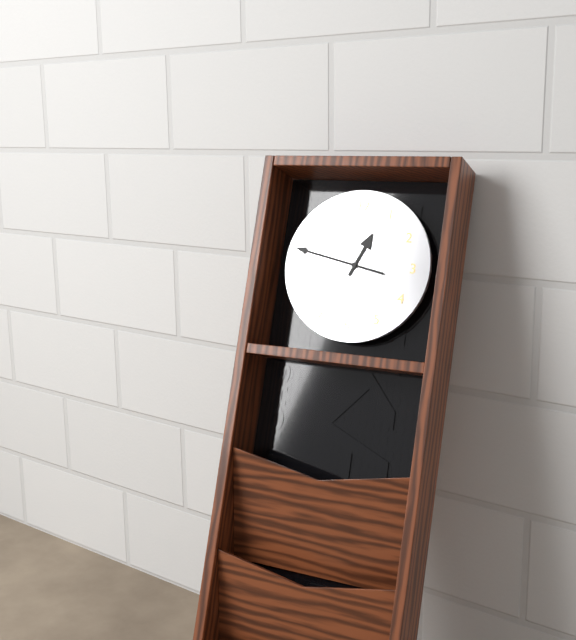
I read {"hour": 12, "minute": 47}
